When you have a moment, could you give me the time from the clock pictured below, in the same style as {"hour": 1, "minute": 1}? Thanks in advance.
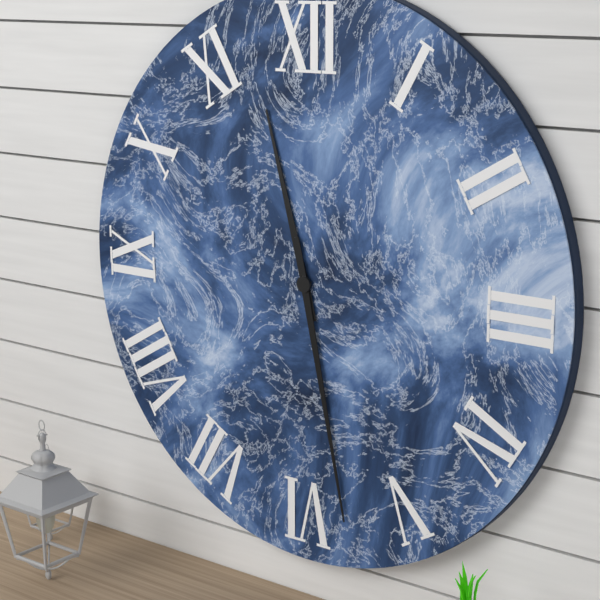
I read {"hour": 11, "minute": 28}
